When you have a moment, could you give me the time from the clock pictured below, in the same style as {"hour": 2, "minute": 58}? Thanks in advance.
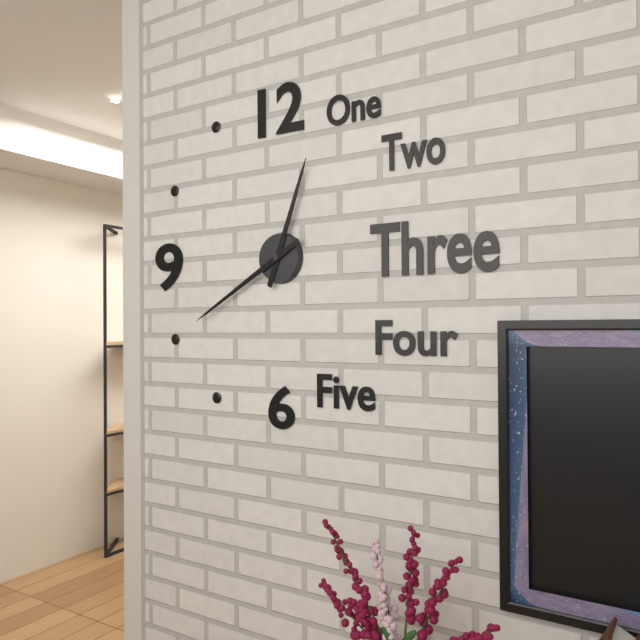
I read {"hour": 12, "minute": 40}
